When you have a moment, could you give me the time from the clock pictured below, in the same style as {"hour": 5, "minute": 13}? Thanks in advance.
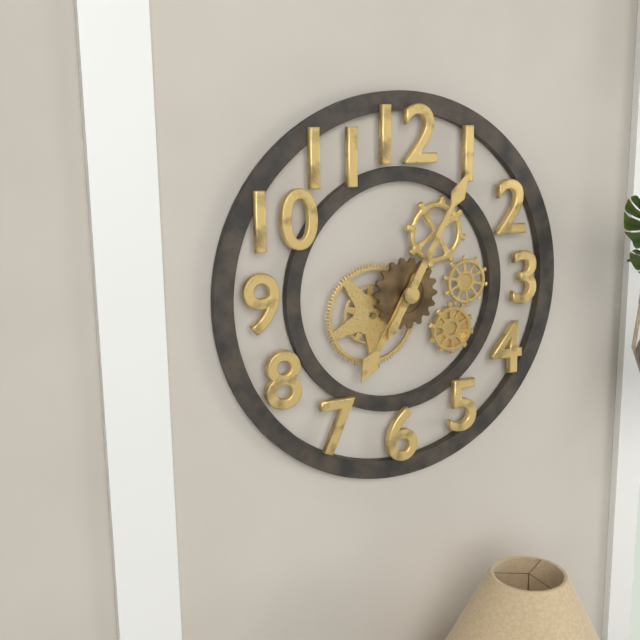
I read {"hour": 7, "minute": 5}
